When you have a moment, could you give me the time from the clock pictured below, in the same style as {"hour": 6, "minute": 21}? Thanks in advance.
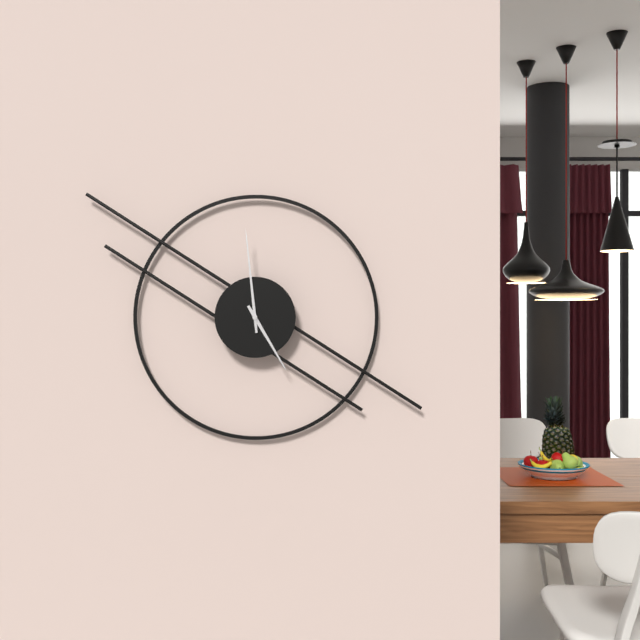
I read {"hour": 4, "minute": 59}
